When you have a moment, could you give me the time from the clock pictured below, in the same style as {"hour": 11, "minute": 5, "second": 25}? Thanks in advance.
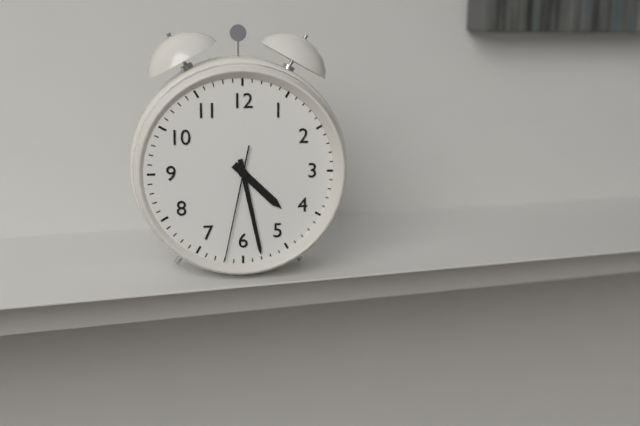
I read {"hour": 4, "minute": 28, "second": 32}
